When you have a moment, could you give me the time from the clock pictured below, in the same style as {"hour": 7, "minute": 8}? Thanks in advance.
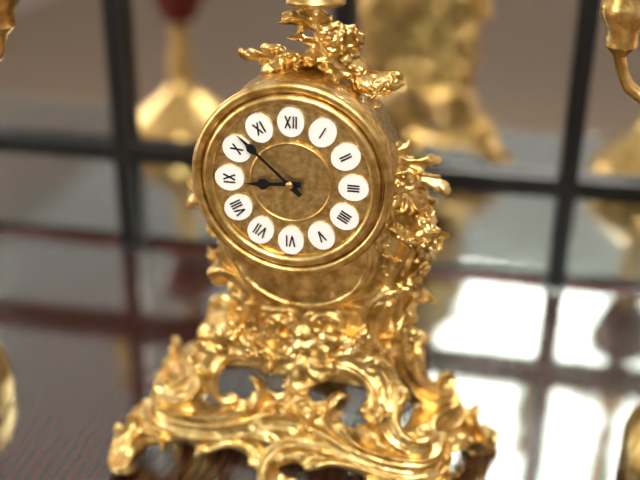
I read {"hour": 8, "minute": 52}
